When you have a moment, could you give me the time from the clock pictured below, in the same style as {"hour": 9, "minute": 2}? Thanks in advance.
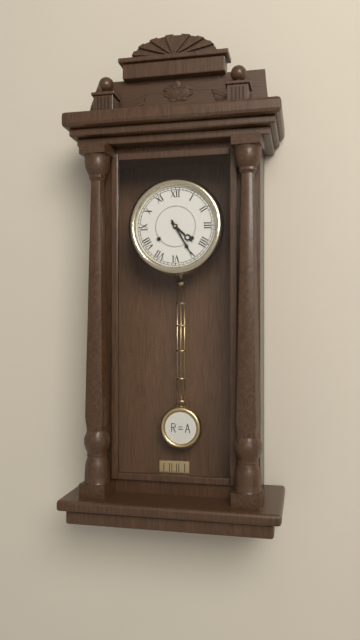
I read {"hour": 4, "minute": 25}
